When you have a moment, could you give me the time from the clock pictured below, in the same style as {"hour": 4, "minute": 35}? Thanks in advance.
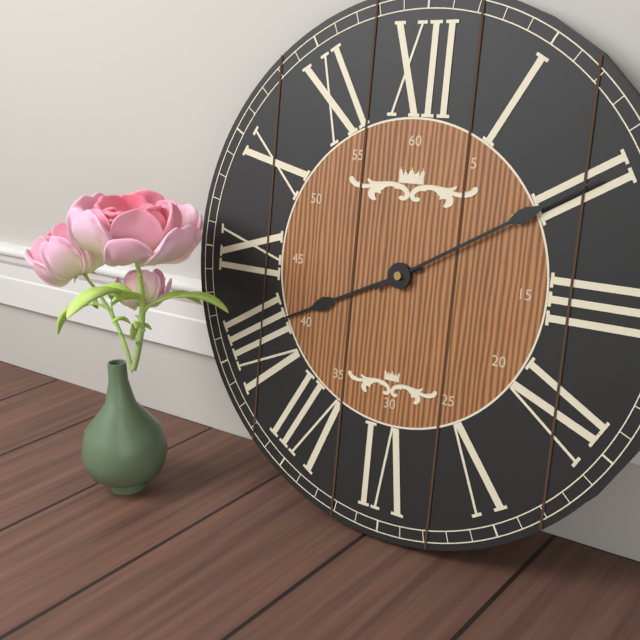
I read {"hour": 8, "minute": 10}
